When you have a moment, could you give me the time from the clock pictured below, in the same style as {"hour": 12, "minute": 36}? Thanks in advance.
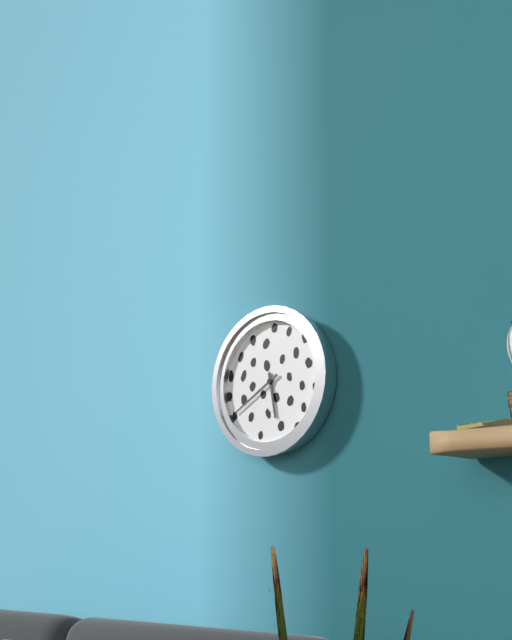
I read {"hour": 5, "minute": 40}
